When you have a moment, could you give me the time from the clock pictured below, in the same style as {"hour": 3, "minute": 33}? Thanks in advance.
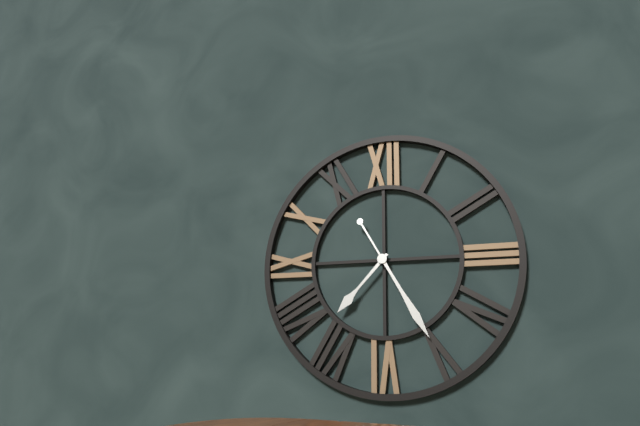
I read {"hour": 7, "minute": 25}
